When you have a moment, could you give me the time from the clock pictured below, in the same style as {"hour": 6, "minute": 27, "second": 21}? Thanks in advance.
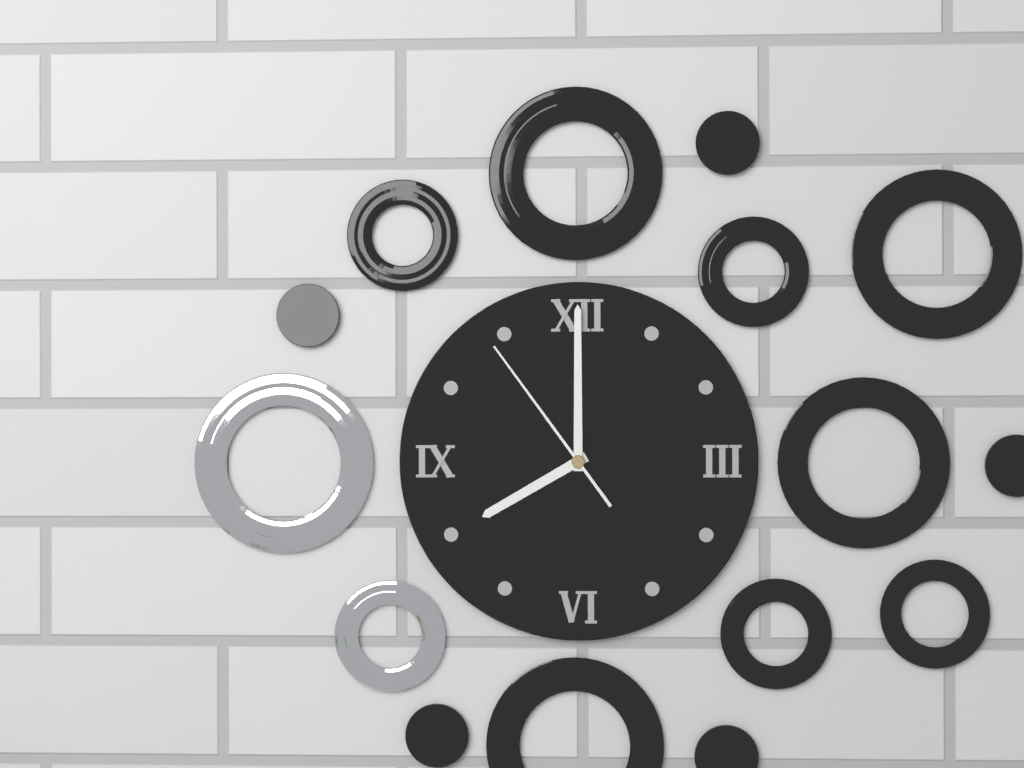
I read {"hour": 8, "minute": 0, "second": 54}
